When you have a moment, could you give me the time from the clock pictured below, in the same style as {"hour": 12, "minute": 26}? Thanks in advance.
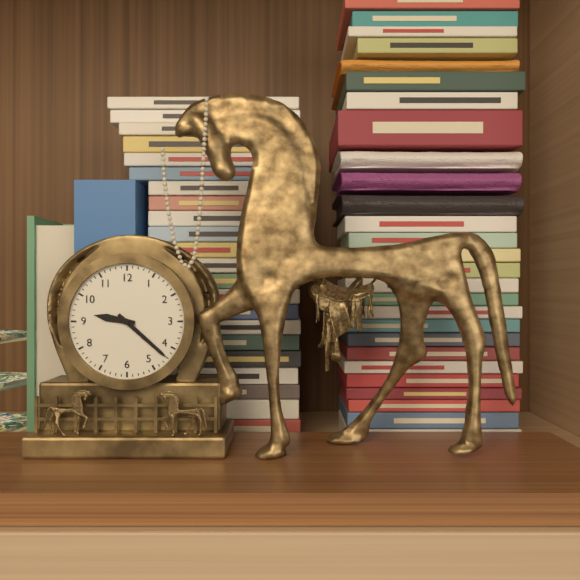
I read {"hour": 9, "minute": 22}
